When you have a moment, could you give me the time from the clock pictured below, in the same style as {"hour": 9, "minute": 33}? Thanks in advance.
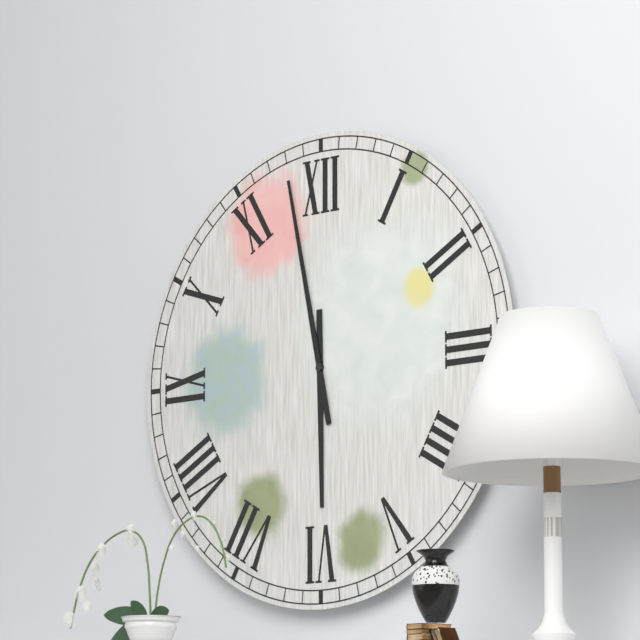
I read {"hour": 5, "minute": 58}
